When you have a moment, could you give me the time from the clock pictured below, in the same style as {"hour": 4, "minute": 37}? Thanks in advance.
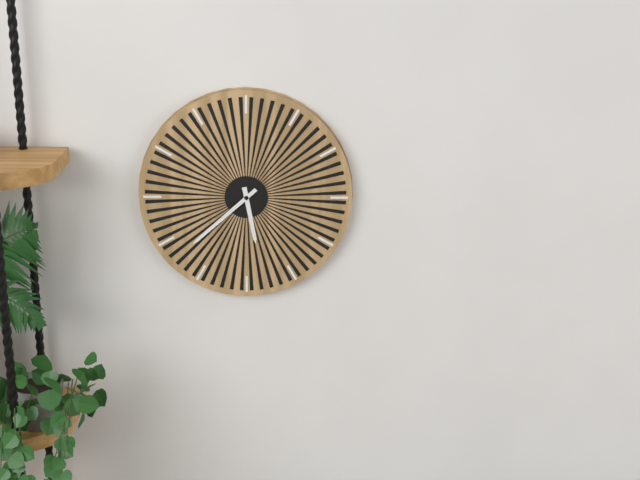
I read {"hour": 5, "minute": 38}
